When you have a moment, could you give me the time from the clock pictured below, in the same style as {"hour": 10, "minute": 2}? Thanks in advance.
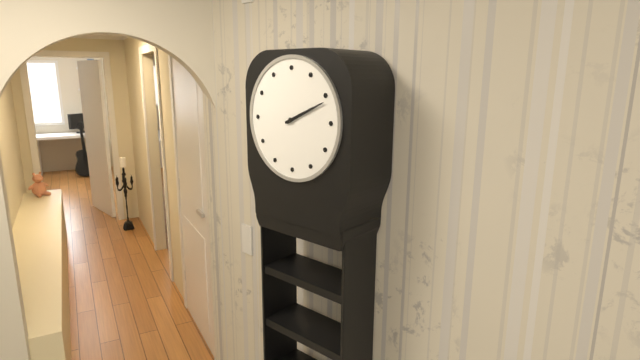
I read {"hour": 2, "minute": 11}
